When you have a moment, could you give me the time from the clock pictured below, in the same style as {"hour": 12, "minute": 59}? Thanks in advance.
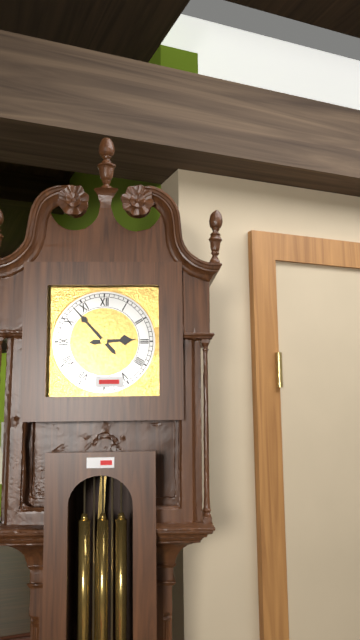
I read {"hour": 2, "minute": 53}
